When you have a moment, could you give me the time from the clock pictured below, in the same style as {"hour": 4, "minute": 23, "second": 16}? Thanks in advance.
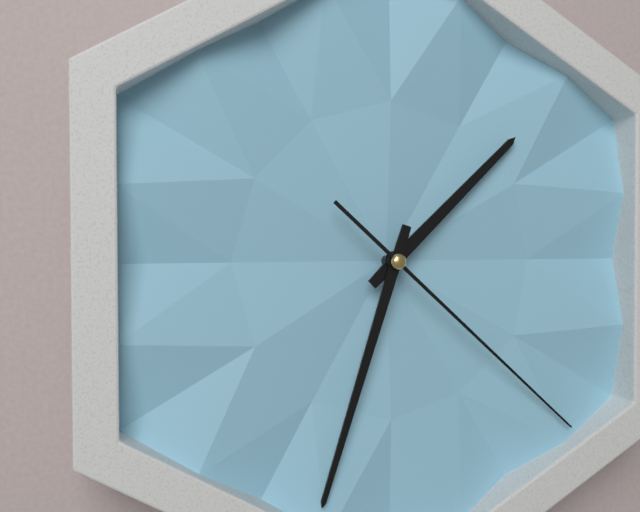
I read {"hour": 1, "minute": 33, "second": 22}
